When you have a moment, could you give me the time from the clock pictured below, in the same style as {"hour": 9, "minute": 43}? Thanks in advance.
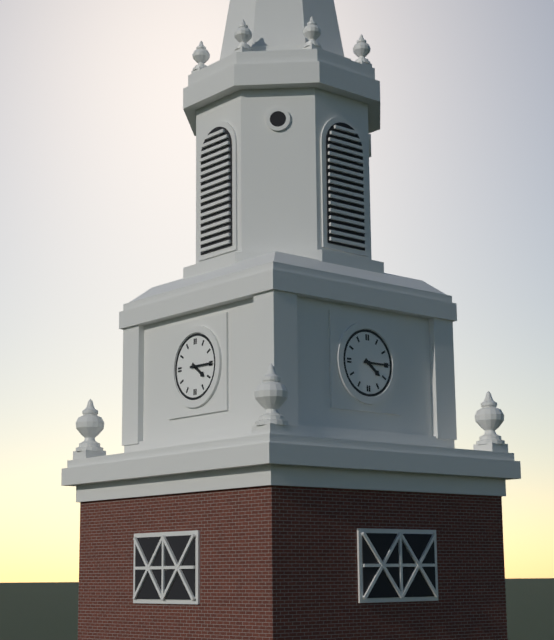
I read {"hour": 4, "minute": 15}
